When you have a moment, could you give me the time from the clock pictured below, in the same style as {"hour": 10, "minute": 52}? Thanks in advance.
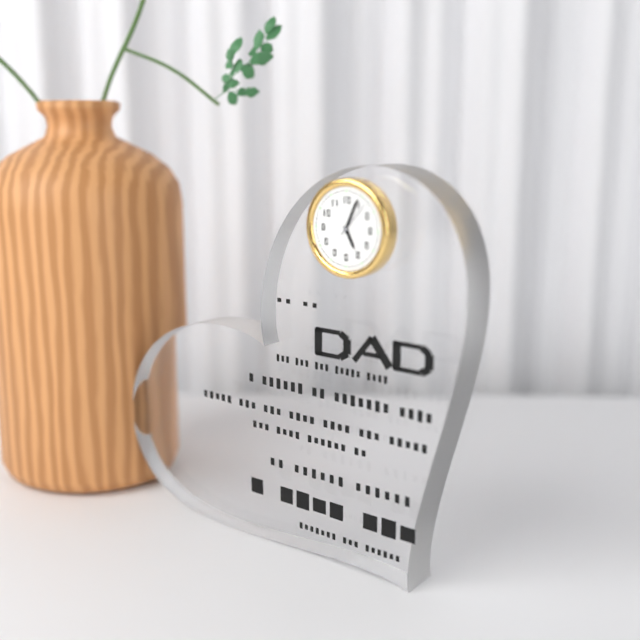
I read {"hour": 5, "minute": 4}
